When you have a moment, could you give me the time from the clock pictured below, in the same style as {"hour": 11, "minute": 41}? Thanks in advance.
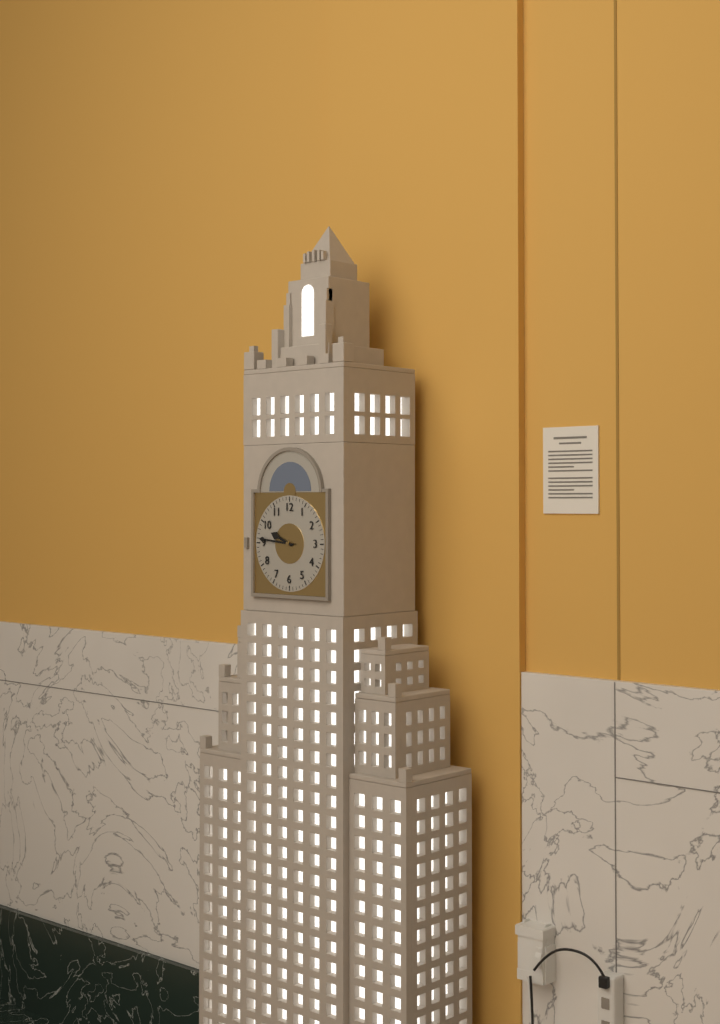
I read {"hour": 9, "minute": 46}
